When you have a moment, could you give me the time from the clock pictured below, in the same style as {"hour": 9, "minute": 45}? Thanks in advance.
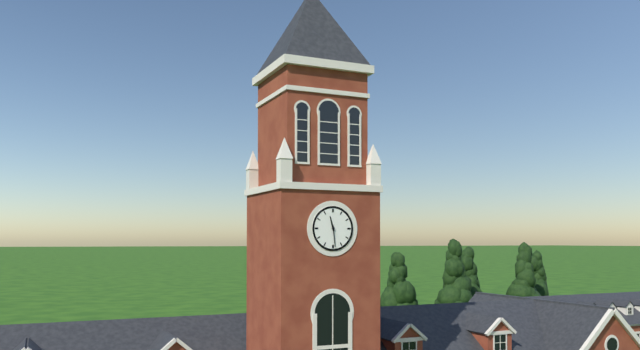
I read {"hour": 11, "minute": 29}
